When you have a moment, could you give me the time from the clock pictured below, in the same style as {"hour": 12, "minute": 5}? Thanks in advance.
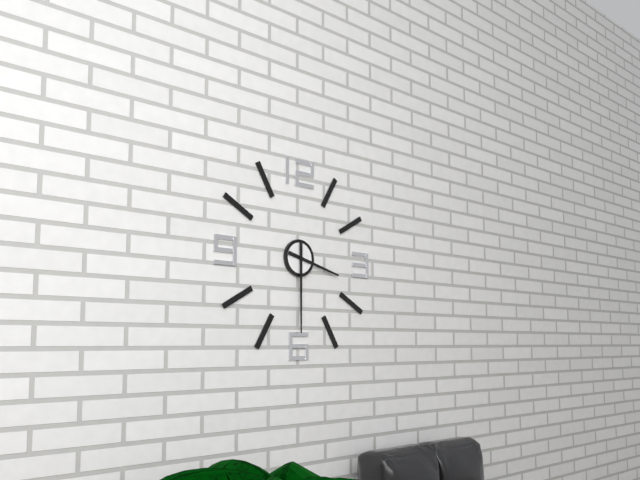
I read {"hour": 3, "minute": 30}
